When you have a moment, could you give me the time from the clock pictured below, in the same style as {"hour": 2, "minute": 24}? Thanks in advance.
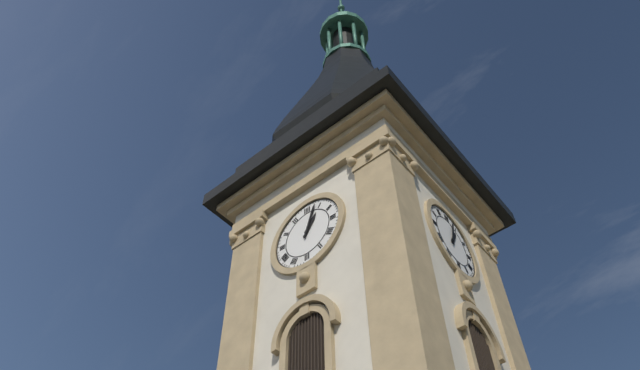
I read {"hour": 1, "minute": 3}
